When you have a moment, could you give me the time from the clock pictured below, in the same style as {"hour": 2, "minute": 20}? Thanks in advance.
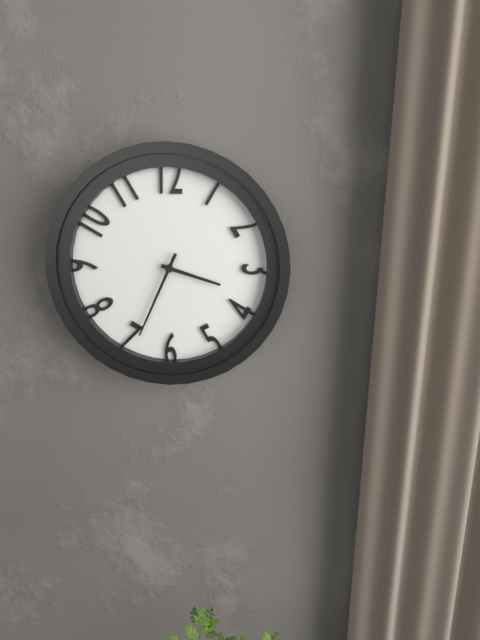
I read {"hour": 3, "minute": 34}
